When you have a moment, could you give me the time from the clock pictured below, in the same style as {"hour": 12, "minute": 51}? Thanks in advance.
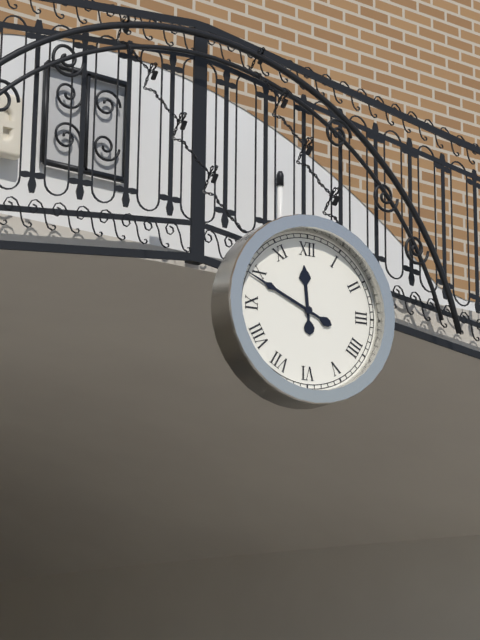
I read {"hour": 11, "minute": 49}
